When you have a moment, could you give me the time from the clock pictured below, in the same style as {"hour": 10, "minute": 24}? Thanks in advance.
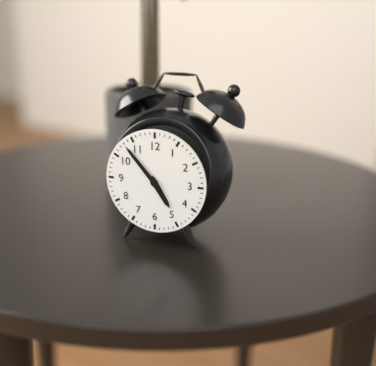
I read {"hour": 4, "minute": 53}
